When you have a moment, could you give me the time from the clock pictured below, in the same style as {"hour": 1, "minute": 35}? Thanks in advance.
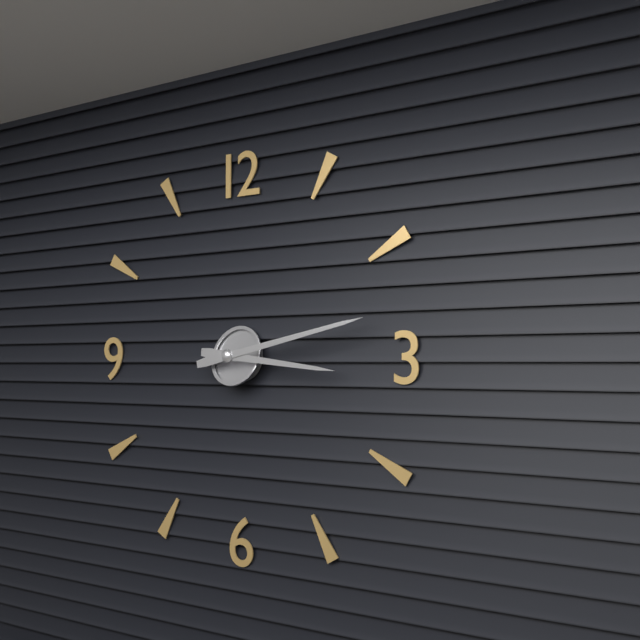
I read {"hour": 3, "minute": 13}
